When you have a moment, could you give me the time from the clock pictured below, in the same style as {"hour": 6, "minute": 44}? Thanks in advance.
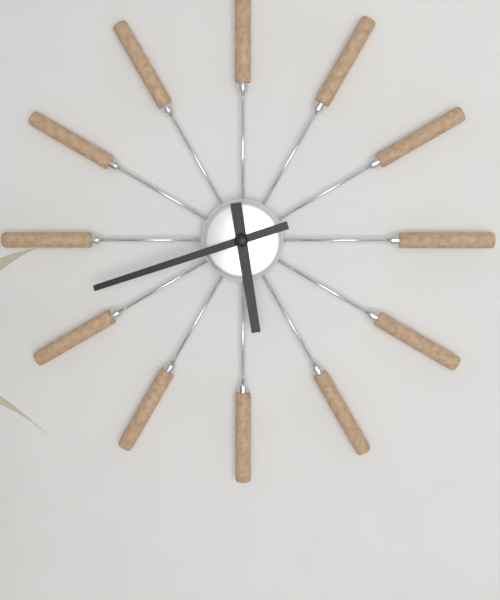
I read {"hour": 5, "minute": 42}
